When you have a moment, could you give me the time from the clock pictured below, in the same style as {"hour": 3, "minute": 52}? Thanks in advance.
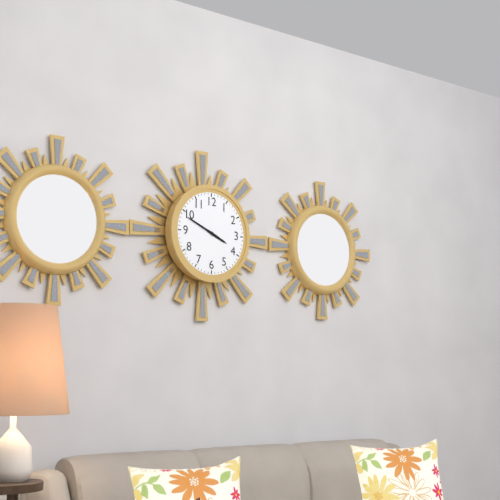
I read {"hour": 3, "minute": 49}
